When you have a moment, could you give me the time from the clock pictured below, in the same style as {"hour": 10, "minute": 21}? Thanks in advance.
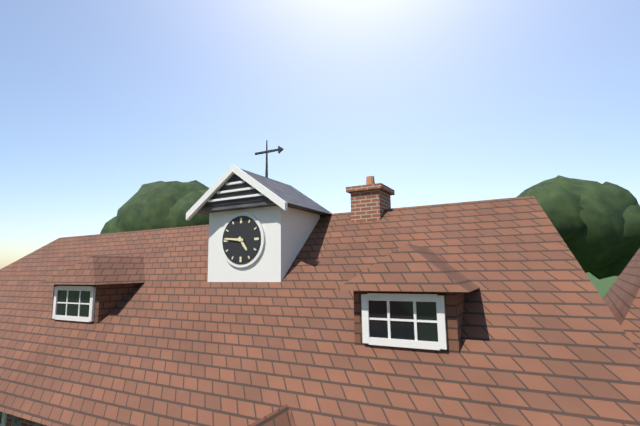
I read {"hour": 4, "minute": 46}
